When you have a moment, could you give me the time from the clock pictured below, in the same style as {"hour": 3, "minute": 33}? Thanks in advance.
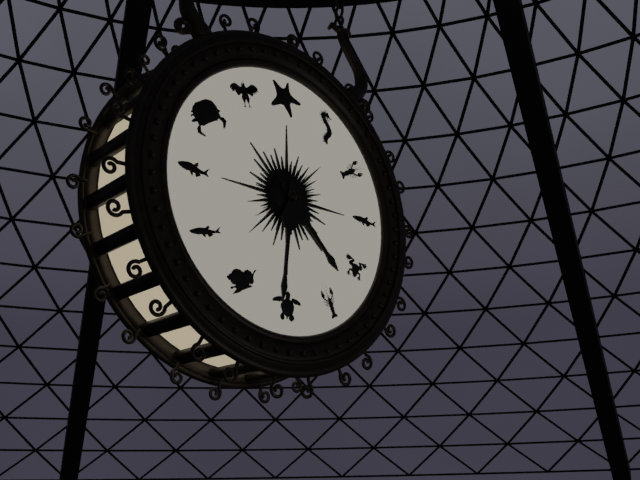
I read {"hour": 4, "minute": 31}
